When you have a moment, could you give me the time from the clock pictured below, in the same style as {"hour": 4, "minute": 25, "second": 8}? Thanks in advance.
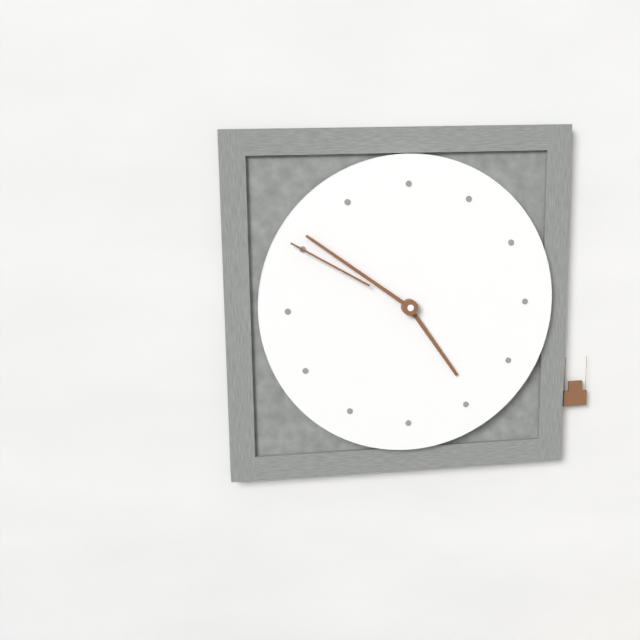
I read {"hour": 4, "minute": 51, "second": 50}
